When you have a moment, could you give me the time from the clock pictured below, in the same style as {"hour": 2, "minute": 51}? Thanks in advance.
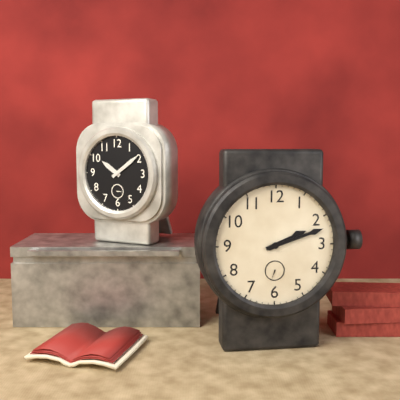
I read {"hour": 2, "minute": 12}
